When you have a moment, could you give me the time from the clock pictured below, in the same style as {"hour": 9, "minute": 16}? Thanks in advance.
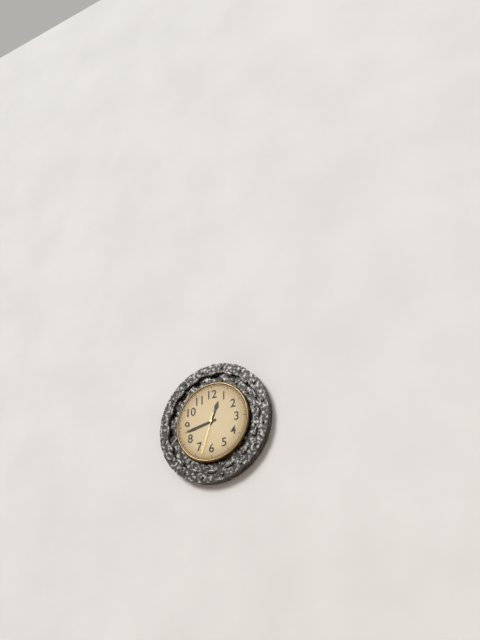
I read {"hour": 12, "minute": 43}
